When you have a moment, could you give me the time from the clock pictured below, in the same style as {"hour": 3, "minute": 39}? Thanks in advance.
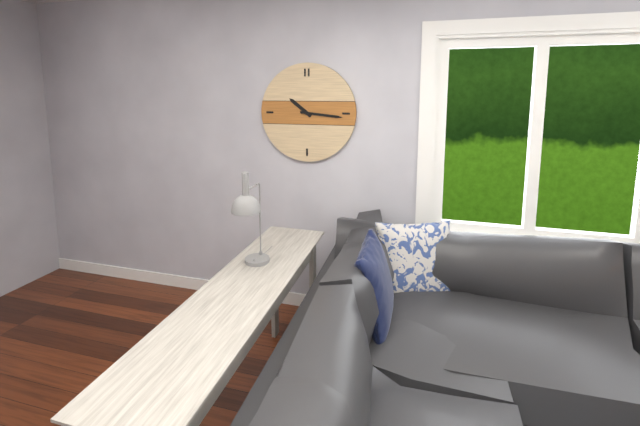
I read {"hour": 10, "minute": 16}
